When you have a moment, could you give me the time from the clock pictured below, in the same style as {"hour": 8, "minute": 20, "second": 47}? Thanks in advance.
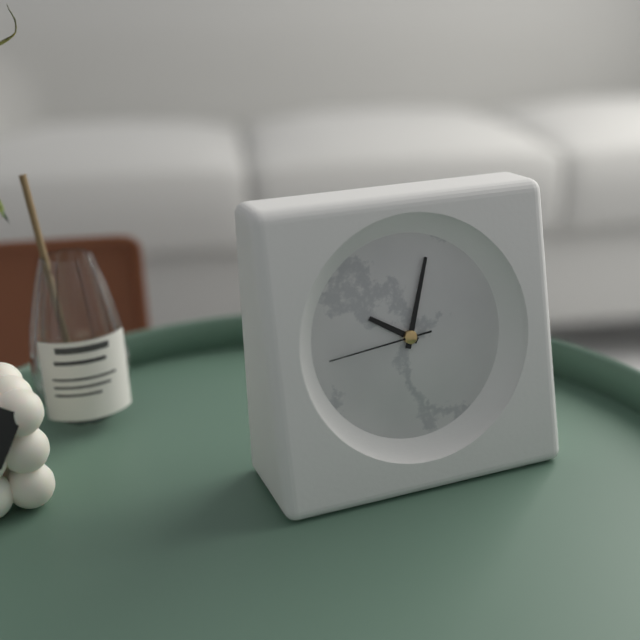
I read {"hour": 10, "minute": 3, "second": 44}
